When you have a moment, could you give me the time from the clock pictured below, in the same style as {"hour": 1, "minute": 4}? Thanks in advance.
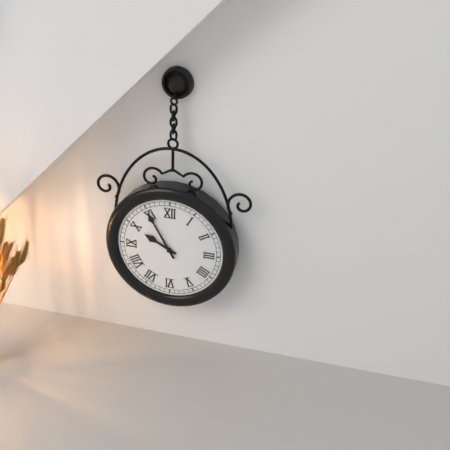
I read {"hour": 9, "minute": 55}
